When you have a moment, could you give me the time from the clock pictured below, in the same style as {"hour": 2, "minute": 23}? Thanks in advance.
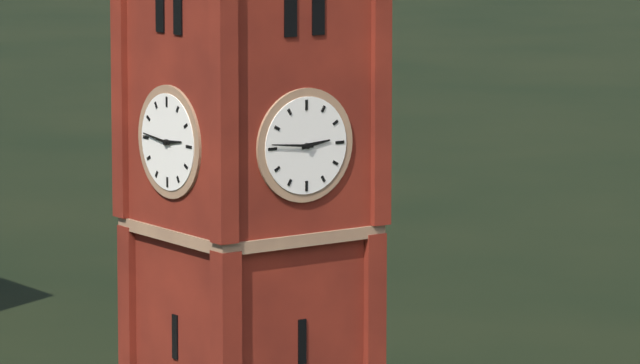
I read {"hour": 2, "minute": 46}
